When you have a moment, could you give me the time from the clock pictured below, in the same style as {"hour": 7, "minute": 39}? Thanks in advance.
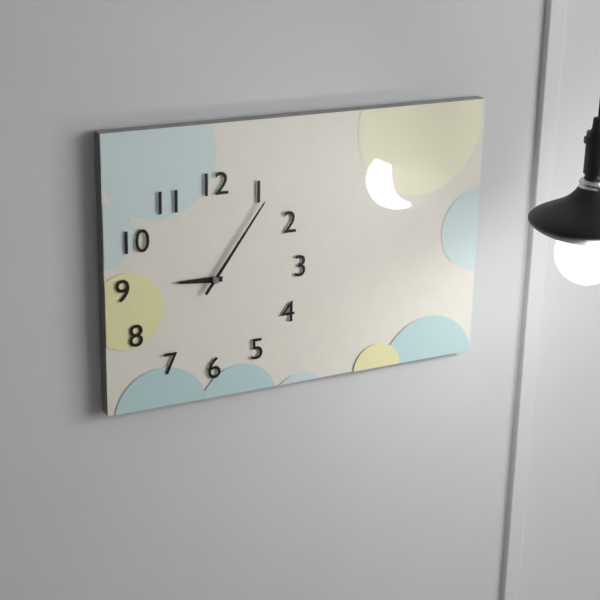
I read {"hour": 9, "minute": 6}
